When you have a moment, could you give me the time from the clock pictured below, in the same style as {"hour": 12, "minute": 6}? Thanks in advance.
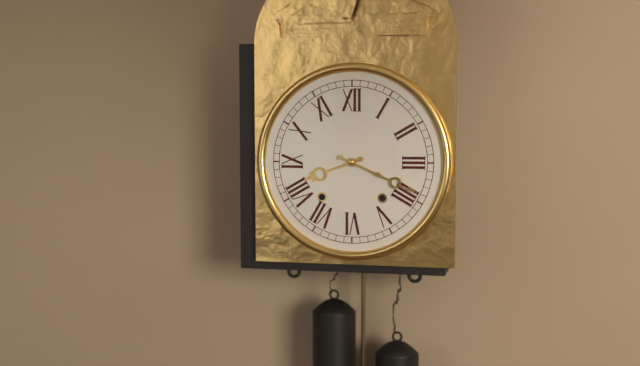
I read {"hour": 8, "minute": 19}
